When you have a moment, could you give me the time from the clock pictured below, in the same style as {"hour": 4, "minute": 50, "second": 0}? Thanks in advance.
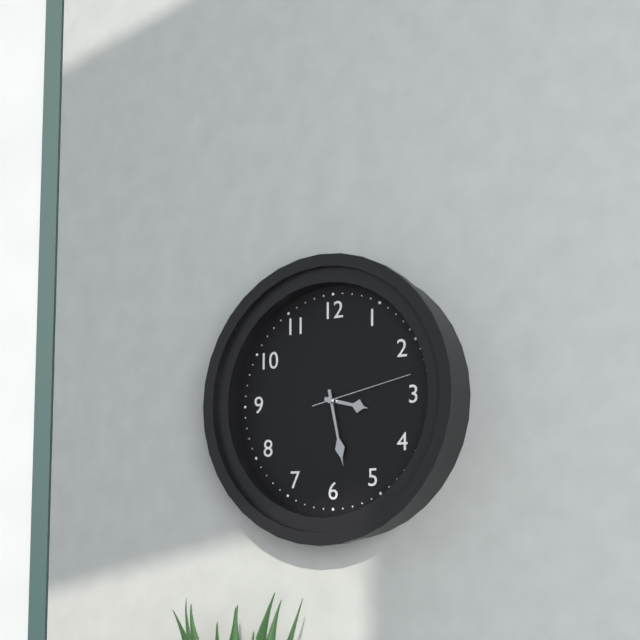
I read {"hour": 3, "minute": 28, "second": 13}
